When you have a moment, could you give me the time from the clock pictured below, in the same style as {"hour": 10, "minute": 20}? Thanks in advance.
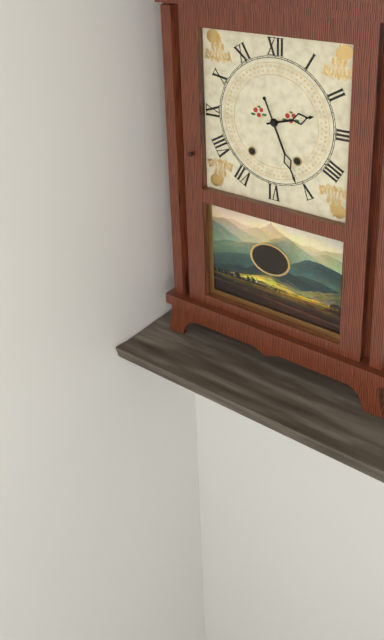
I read {"hour": 2, "minute": 26}
